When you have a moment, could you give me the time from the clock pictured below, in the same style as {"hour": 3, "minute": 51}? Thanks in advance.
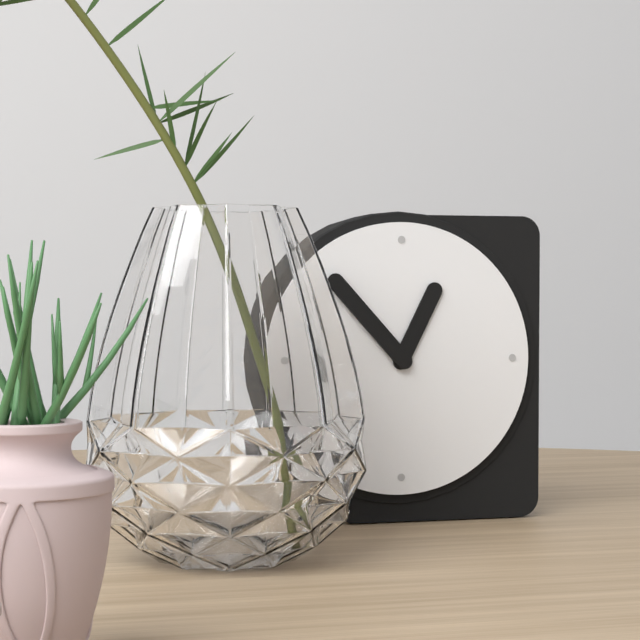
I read {"hour": 12, "minute": 53}
